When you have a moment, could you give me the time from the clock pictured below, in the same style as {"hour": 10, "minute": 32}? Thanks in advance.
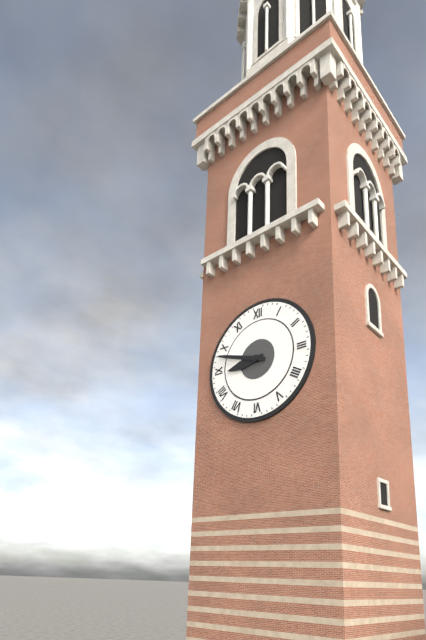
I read {"hour": 8, "minute": 48}
